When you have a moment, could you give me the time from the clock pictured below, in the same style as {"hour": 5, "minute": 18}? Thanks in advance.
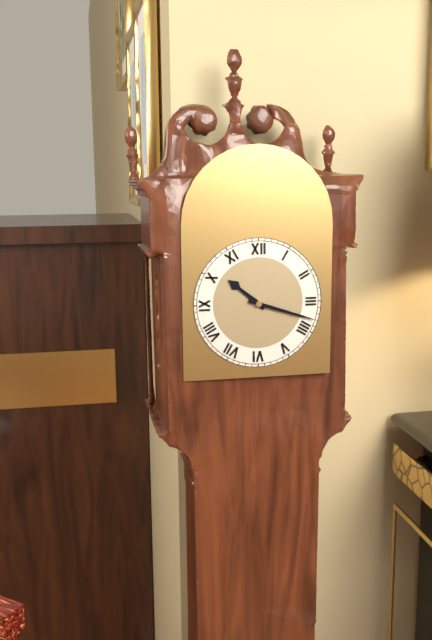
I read {"hour": 10, "minute": 18}
